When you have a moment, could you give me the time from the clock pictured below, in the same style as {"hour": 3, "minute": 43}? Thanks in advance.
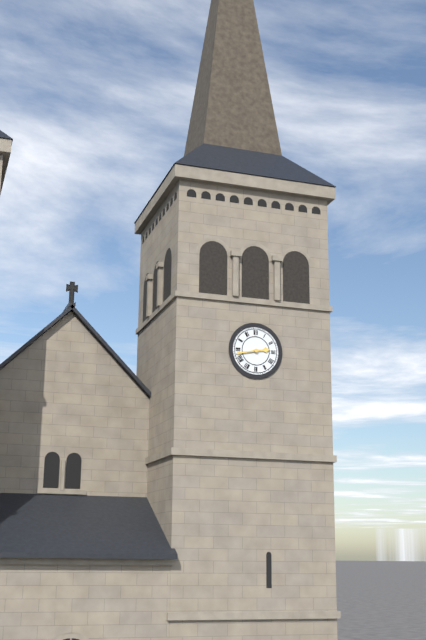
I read {"hour": 2, "minute": 43}
